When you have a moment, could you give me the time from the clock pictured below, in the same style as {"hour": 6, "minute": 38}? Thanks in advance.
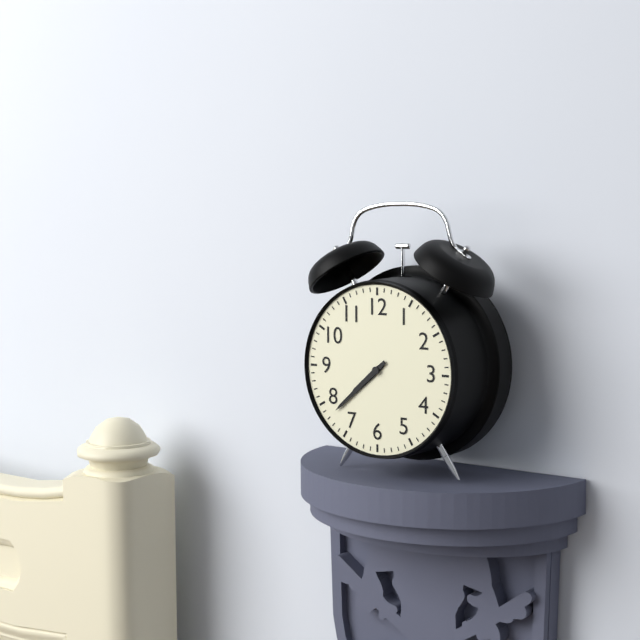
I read {"hour": 7, "minute": 38}
